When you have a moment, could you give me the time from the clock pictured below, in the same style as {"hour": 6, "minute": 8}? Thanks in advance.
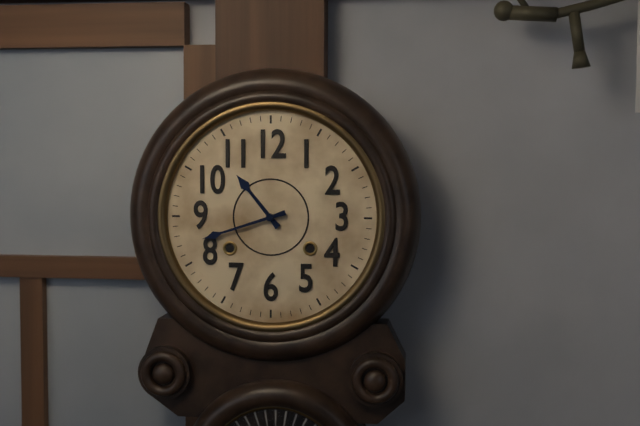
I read {"hour": 10, "minute": 42}
